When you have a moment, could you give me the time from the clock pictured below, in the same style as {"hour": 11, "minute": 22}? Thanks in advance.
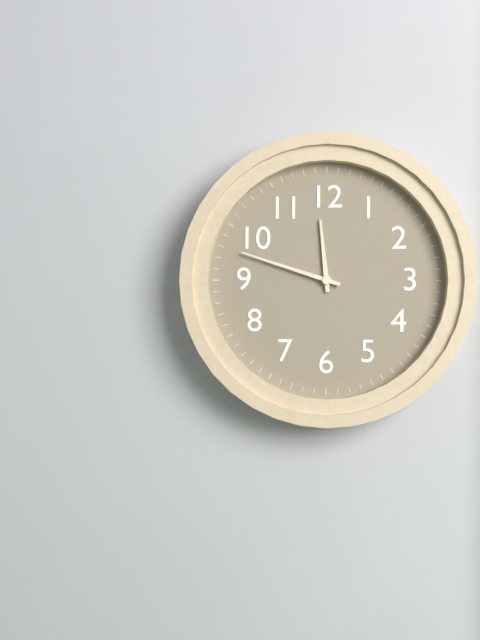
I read {"hour": 11, "minute": 48}
